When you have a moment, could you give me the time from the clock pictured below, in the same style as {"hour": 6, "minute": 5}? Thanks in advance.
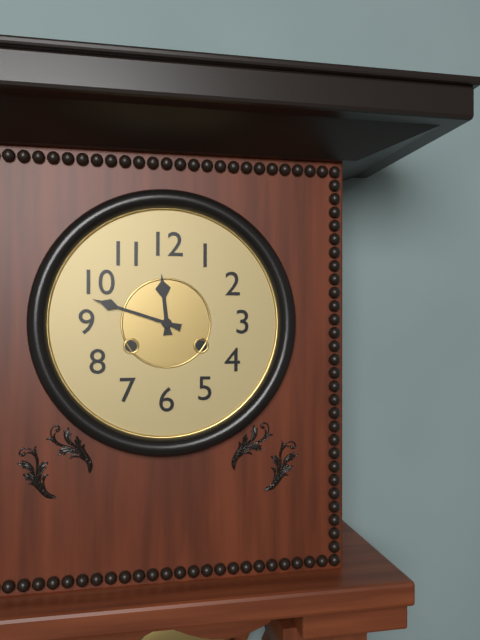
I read {"hour": 11, "minute": 48}
